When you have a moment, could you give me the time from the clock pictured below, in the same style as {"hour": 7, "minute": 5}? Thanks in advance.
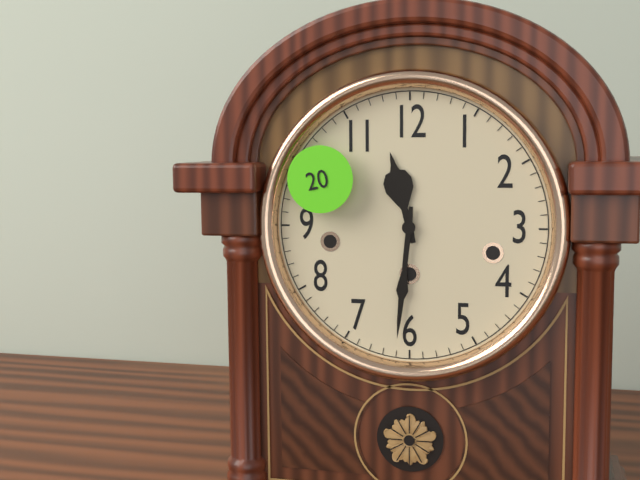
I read {"hour": 11, "minute": 31}
